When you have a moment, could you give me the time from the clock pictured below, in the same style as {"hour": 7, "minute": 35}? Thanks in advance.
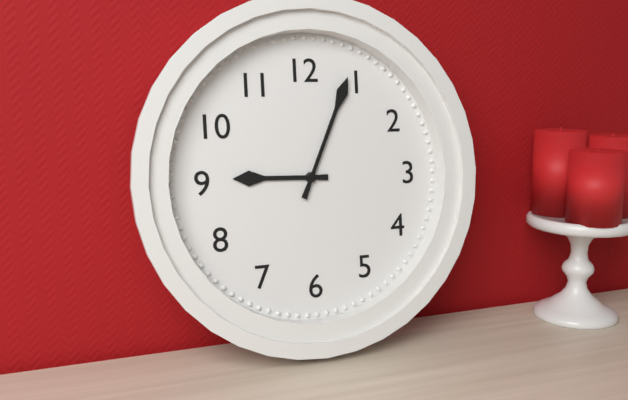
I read {"hour": 9, "minute": 4}
